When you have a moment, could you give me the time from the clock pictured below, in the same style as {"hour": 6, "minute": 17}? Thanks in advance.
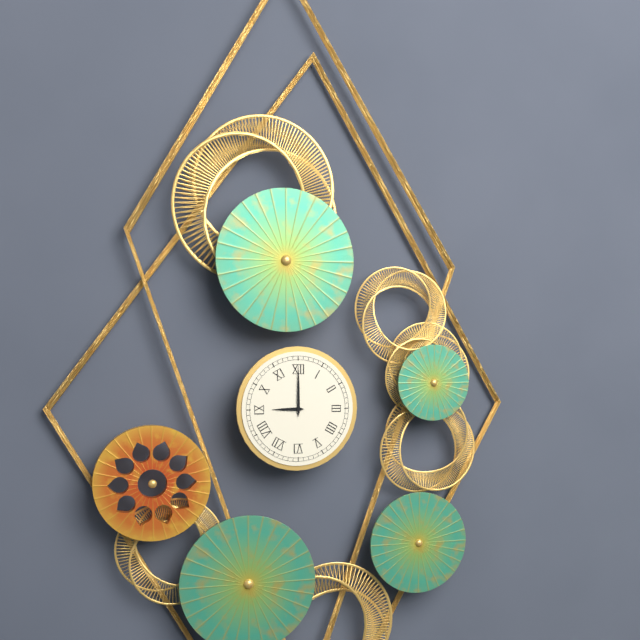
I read {"hour": 9, "minute": 0}
